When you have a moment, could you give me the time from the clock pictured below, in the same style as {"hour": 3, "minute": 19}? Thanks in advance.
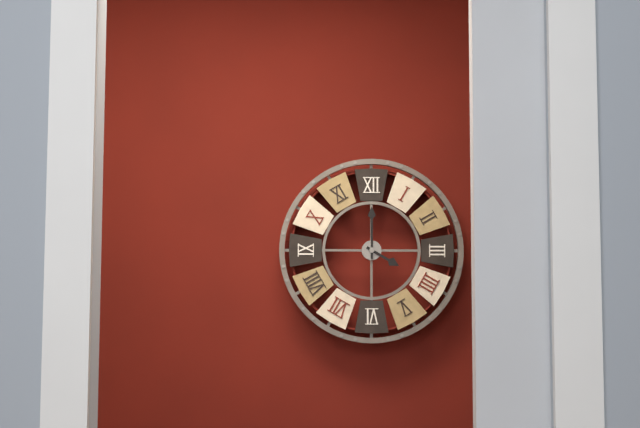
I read {"hour": 4, "minute": 0}
